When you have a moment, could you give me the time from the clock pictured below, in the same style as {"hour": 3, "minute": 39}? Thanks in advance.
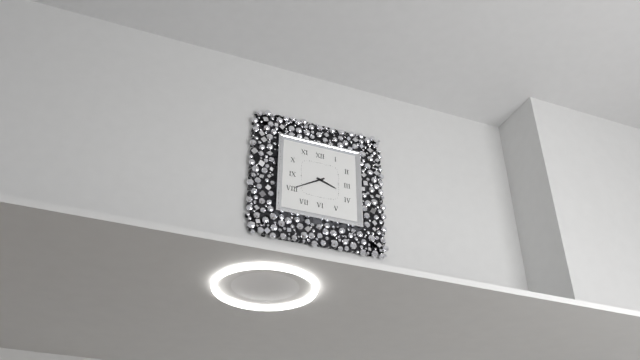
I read {"hour": 3, "minute": 40}
